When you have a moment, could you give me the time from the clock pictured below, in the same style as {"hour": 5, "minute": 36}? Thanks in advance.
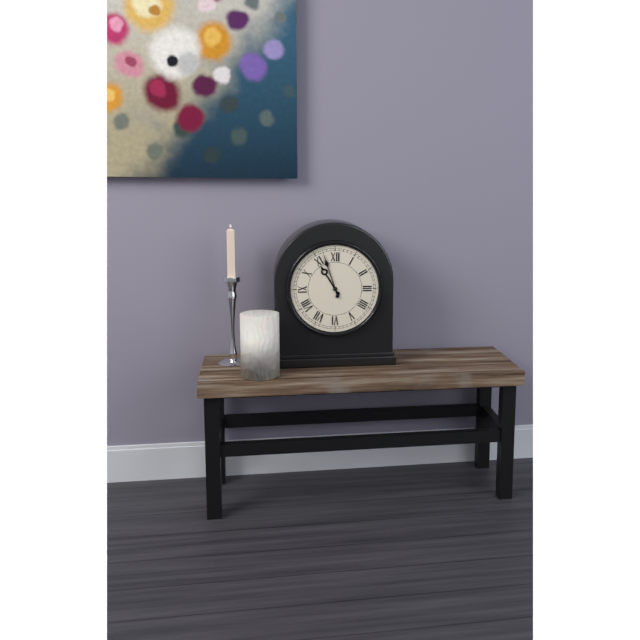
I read {"hour": 10, "minute": 57}
